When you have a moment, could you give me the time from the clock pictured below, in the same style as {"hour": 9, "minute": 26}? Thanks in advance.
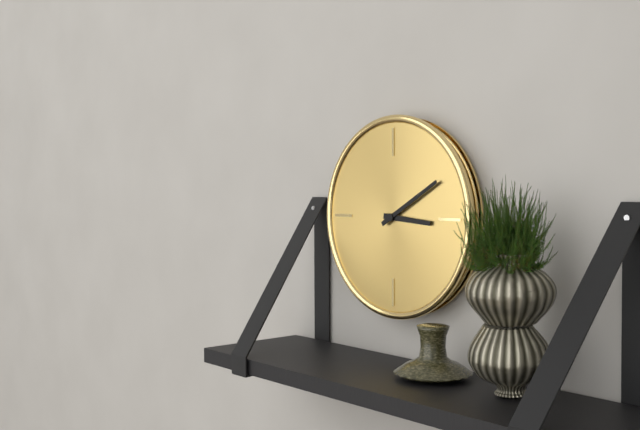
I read {"hour": 3, "minute": 10}
